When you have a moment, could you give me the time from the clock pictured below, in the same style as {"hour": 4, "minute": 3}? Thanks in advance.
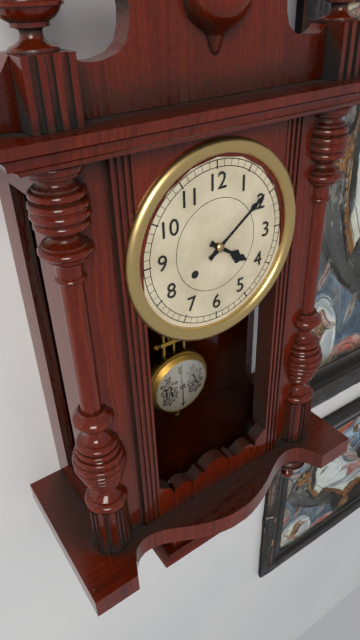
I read {"hour": 4, "minute": 9}
